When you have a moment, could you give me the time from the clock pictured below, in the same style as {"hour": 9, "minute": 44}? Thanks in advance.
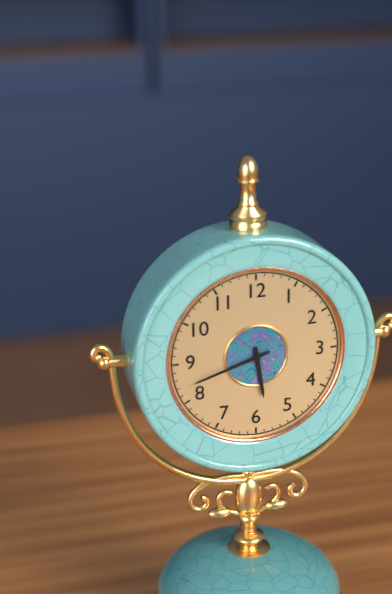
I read {"hour": 5, "minute": 42}
